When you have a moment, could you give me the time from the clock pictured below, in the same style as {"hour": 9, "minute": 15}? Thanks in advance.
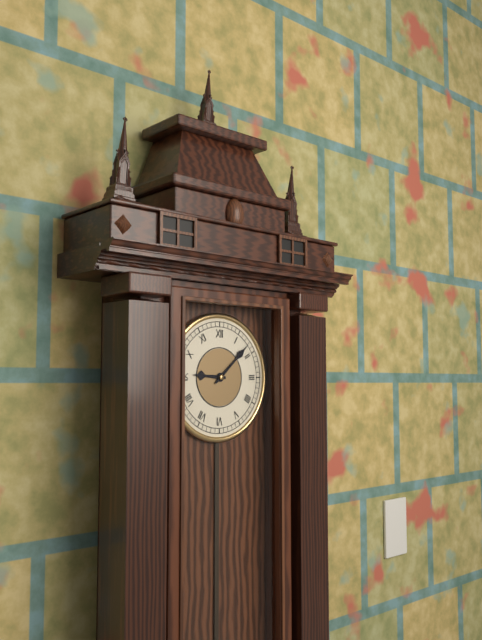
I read {"hour": 9, "minute": 8}
